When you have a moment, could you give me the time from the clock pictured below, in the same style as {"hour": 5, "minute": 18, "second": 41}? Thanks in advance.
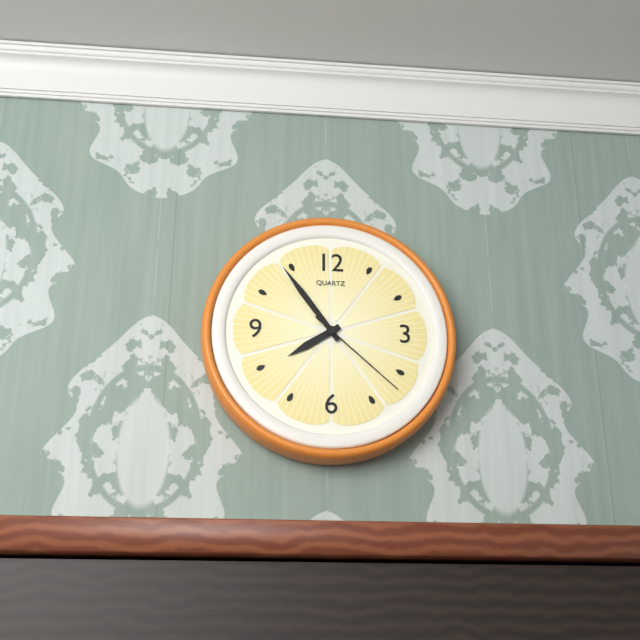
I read {"hour": 7, "minute": 54, "second": 22}
